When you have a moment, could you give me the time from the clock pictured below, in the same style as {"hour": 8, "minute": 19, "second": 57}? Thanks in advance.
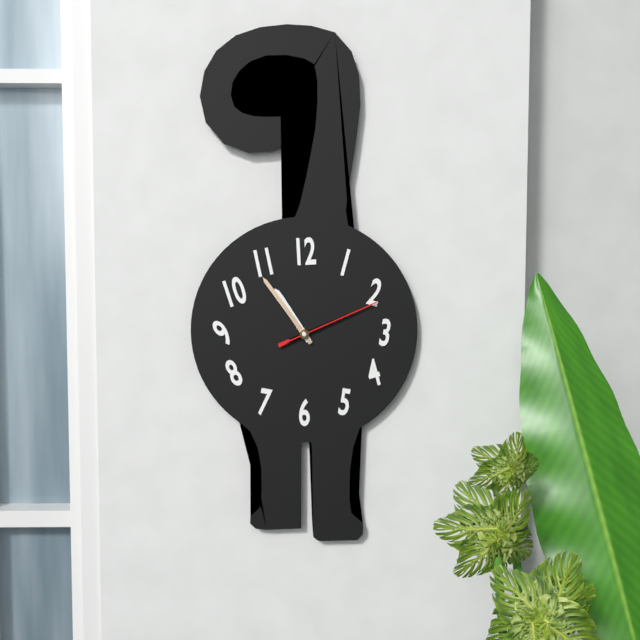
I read {"hour": 10, "minute": 54, "second": 11}
